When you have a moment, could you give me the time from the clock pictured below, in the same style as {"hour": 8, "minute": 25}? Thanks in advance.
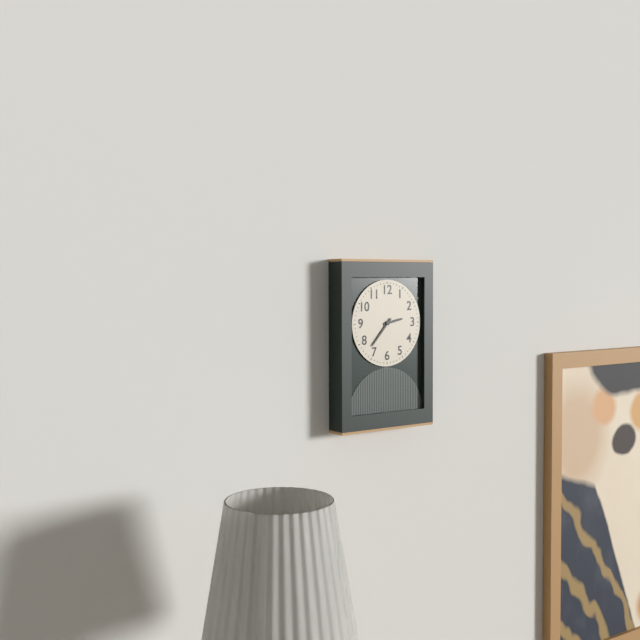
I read {"hour": 2, "minute": 37}
